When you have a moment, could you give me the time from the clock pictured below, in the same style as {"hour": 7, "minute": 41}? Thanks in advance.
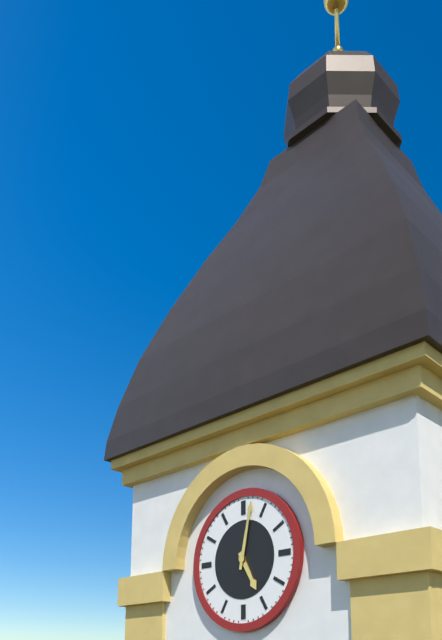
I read {"hour": 5, "minute": 2}
